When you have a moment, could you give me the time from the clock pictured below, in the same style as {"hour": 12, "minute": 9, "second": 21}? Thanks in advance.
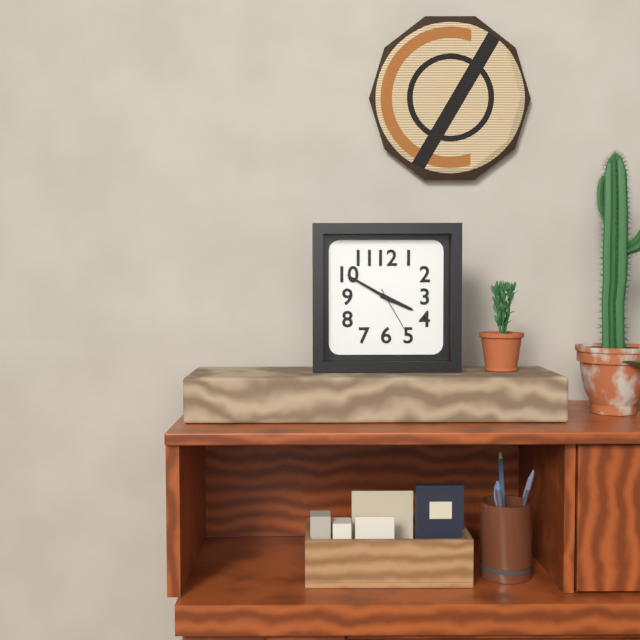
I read {"hour": 3, "minute": 50, "second": 25}
